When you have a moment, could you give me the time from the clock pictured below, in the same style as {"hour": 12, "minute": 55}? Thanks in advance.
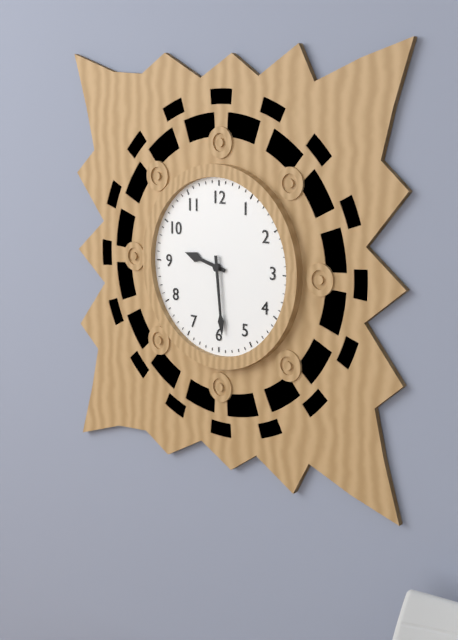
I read {"hour": 9, "minute": 29}
